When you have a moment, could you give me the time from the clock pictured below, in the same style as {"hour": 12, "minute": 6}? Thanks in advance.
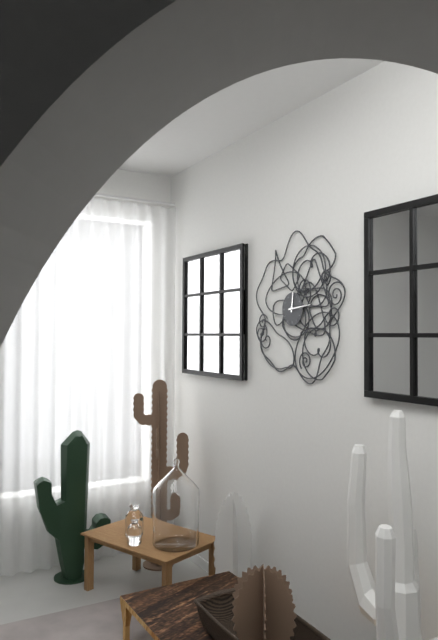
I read {"hour": 12, "minute": 14}
